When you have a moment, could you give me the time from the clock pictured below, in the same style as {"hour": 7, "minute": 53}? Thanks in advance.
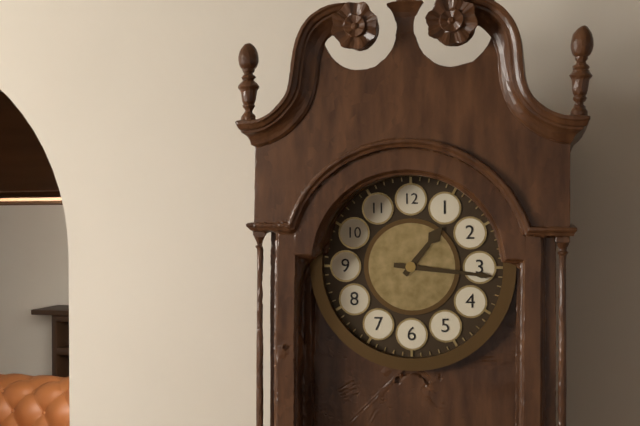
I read {"hour": 1, "minute": 16}
